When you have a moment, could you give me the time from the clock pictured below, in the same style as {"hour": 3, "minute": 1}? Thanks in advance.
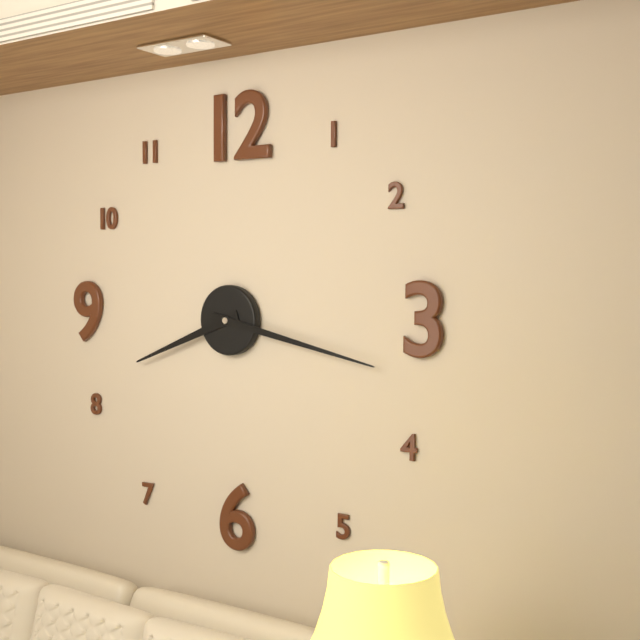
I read {"hour": 8, "minute": 17}
